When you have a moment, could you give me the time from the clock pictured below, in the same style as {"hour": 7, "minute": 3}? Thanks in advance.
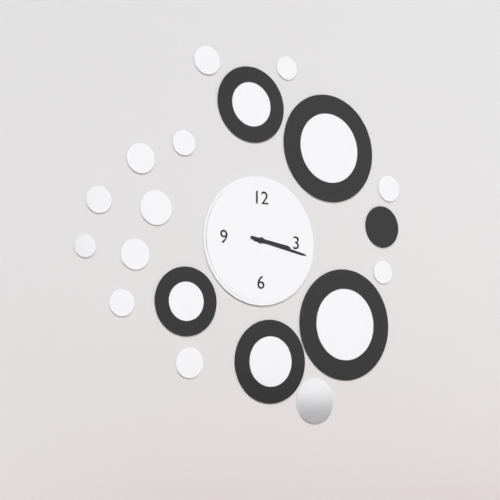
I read {"hour": 3, "minute": 17}
